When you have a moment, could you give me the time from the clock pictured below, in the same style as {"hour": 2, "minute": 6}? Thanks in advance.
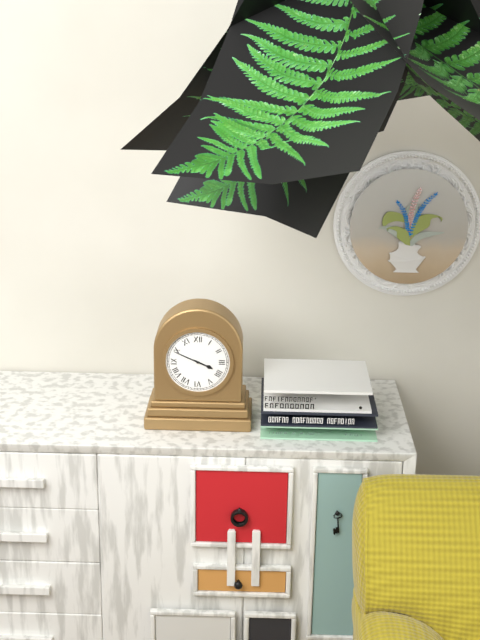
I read {"hour": 3, "minute": 49}
